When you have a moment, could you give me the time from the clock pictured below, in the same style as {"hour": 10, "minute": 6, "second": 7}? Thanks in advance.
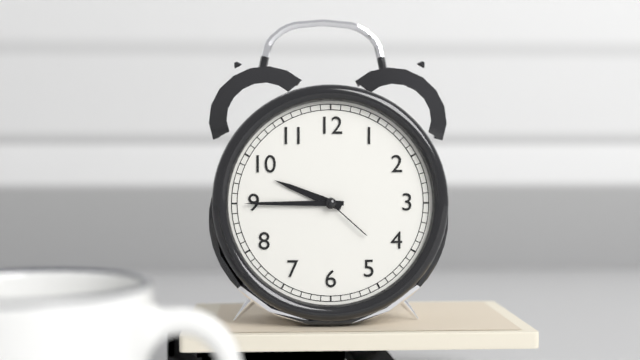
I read {"hour": 9, "minute": 45, "second": 22}
